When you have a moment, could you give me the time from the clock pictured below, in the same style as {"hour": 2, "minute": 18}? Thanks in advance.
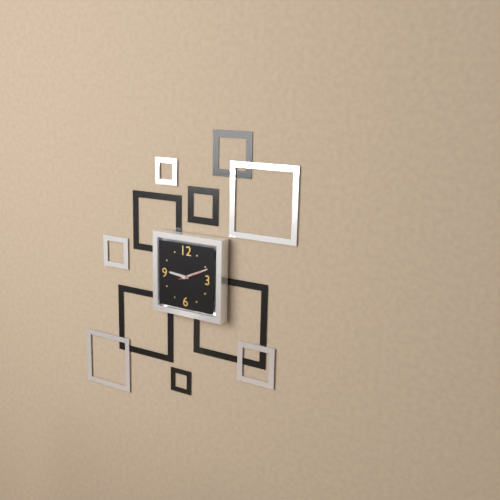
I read {"hour": 9, "minute": 11}
